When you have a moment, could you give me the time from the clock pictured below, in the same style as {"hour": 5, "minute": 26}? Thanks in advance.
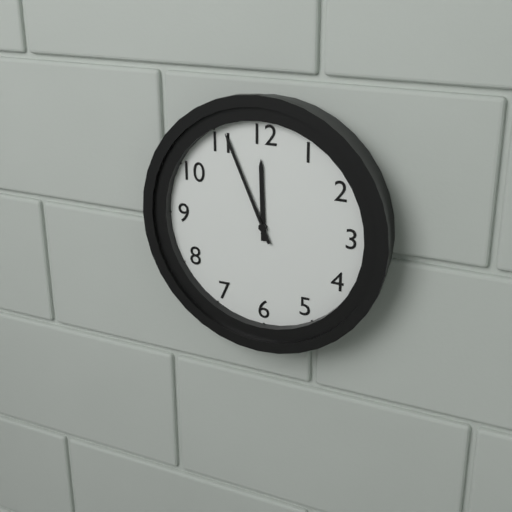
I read {"hour": 11, "minute": 56}
